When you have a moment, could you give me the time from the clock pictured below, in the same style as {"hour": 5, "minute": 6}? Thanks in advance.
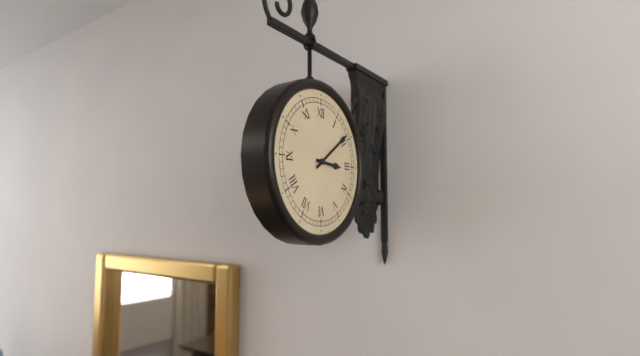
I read {"hour": 3, "minute": 9}
